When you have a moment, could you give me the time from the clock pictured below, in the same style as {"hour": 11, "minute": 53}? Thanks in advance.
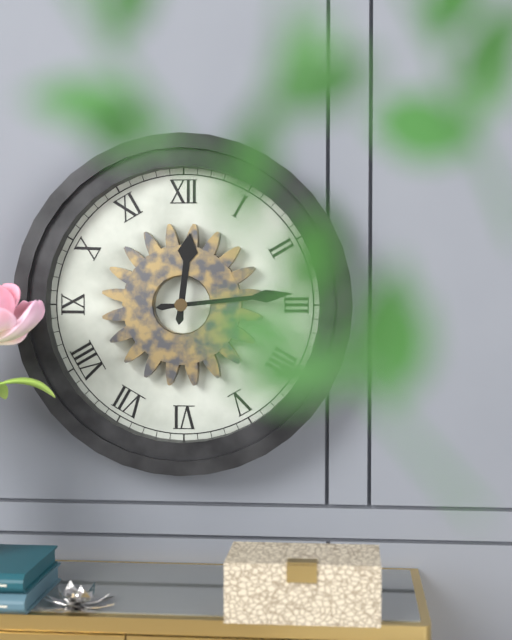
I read {"hour": 12, "minute": 14}
